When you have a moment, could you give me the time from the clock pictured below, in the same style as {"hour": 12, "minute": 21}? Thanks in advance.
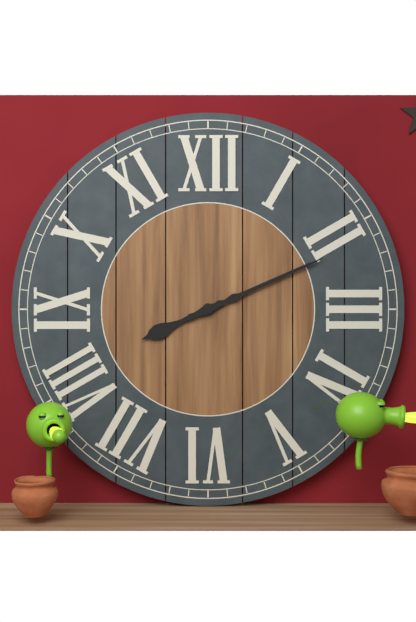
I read {"hour": 8, "minute": 11}
